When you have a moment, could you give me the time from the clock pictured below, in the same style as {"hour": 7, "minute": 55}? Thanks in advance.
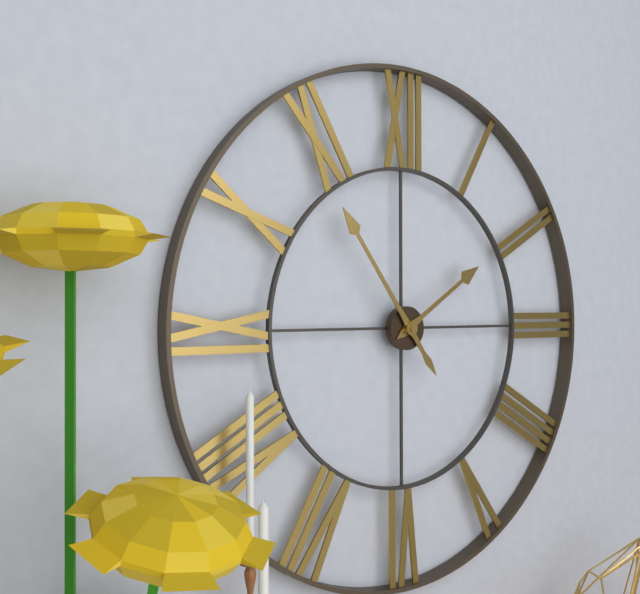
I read {"hour": 1, "minute": 54}
